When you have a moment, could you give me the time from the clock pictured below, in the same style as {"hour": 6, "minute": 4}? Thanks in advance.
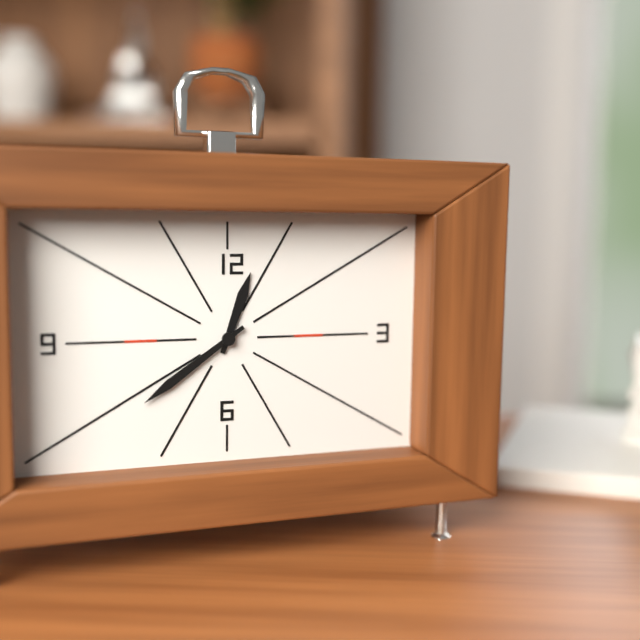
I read {"hour": 12, "minute": 39}
